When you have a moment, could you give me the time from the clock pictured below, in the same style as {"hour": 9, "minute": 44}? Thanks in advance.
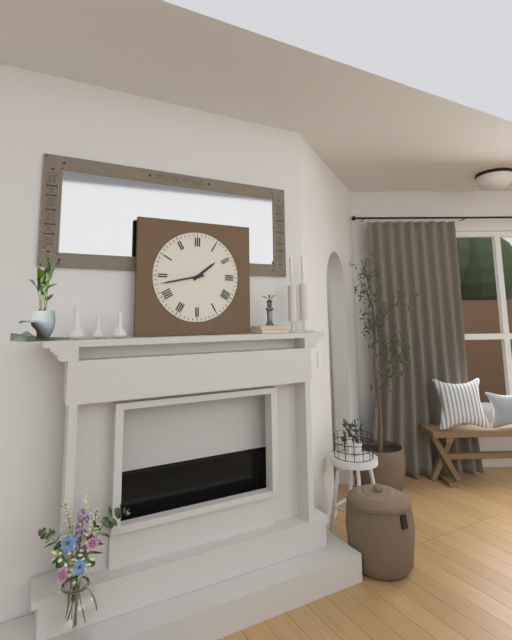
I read {"hour": 1, "minute": 43}
